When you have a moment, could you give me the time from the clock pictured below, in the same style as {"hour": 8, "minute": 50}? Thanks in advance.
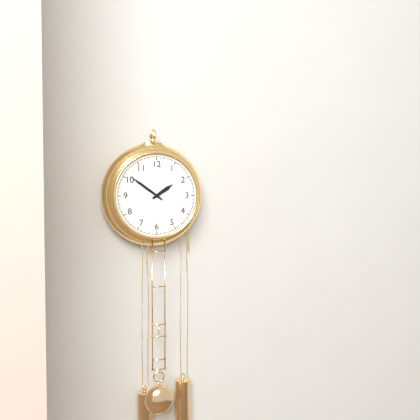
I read {"hour": 1, "minute": 51}
